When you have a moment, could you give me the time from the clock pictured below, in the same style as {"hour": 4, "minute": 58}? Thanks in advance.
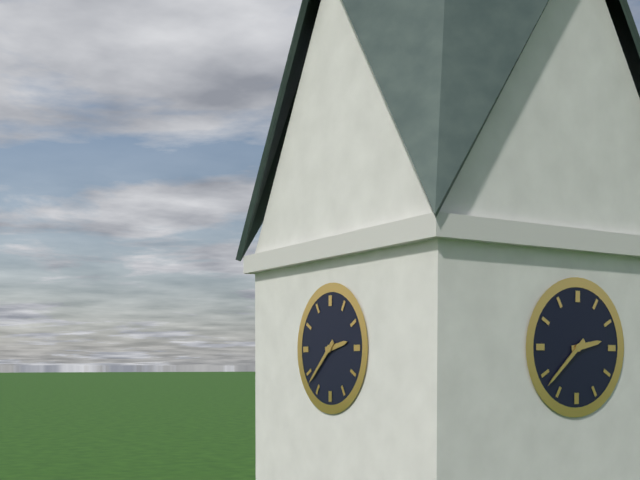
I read {"hour": 2, "minute": 38}
